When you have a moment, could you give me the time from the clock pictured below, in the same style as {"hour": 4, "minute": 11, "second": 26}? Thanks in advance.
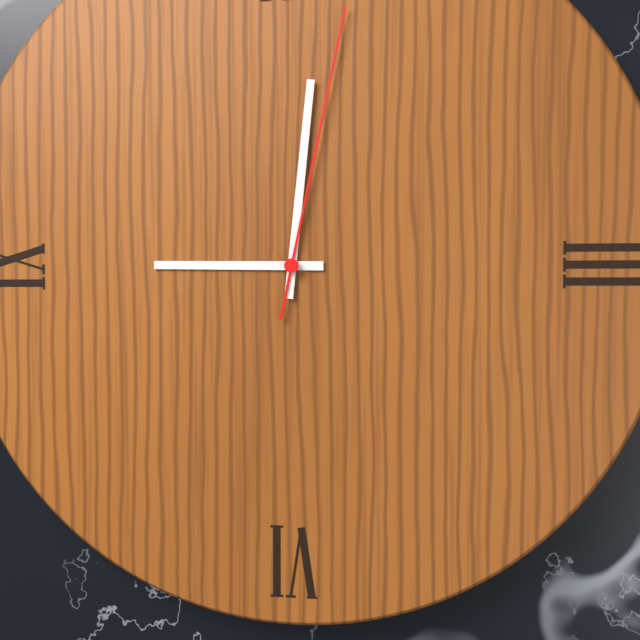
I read {"hour": 9, "minute": 1, "second": 2}
